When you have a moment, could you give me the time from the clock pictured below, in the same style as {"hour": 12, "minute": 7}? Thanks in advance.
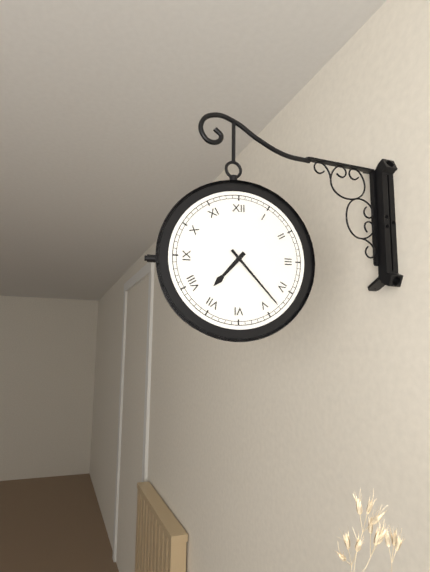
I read {"hour": 7, "minute": 23}
